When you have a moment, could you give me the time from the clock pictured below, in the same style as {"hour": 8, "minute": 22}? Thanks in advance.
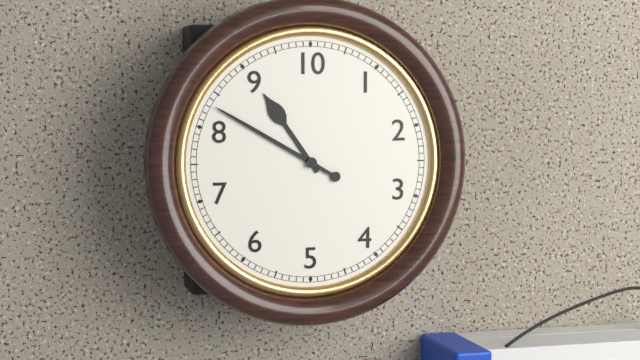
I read {"hour": 10, "minute": 50}
